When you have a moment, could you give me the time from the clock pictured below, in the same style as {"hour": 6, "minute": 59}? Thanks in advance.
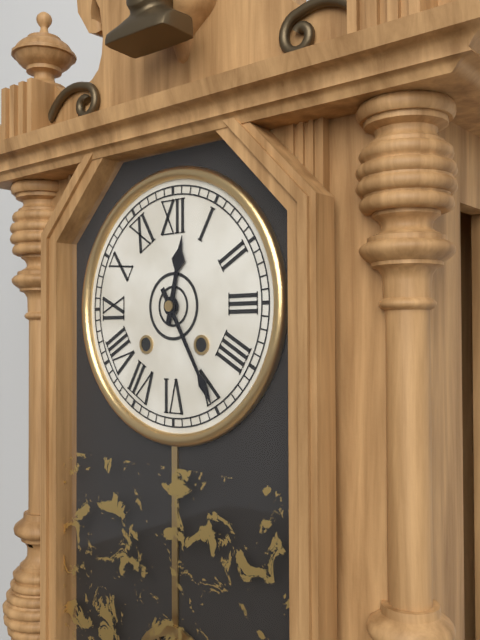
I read {"hour": 12, "minute": 25}
